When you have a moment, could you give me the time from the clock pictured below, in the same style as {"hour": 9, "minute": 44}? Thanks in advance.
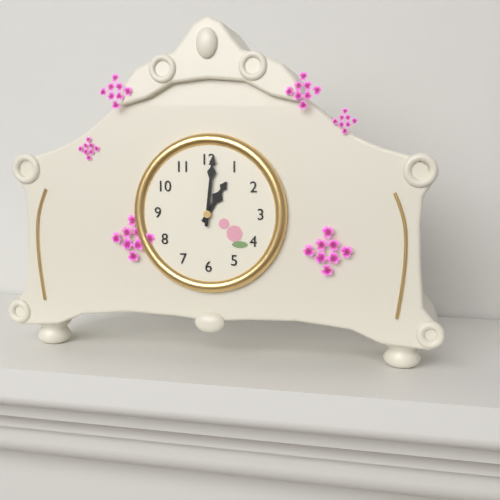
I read {"hour": 1, "minute": 1}
